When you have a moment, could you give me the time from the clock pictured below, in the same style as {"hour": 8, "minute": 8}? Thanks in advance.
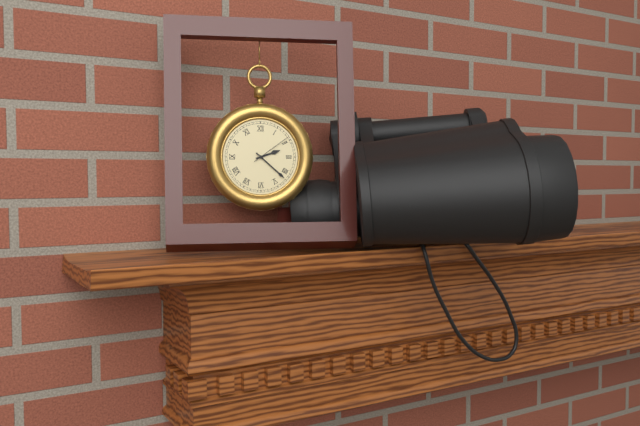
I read {"hour": 2, "minute": 22}
